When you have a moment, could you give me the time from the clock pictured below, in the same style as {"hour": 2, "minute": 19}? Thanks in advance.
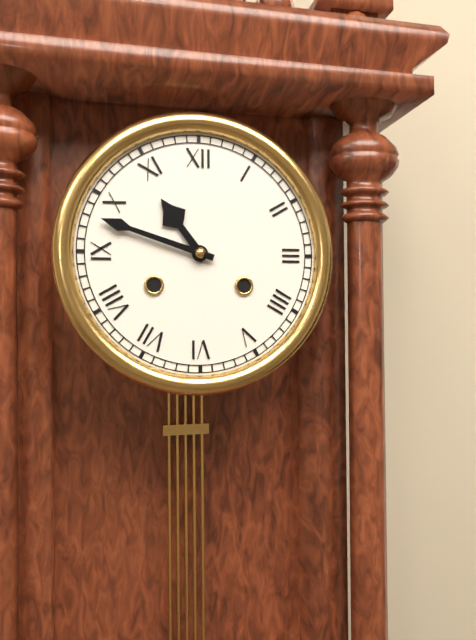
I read {"hour": 10, "minute": 48}
